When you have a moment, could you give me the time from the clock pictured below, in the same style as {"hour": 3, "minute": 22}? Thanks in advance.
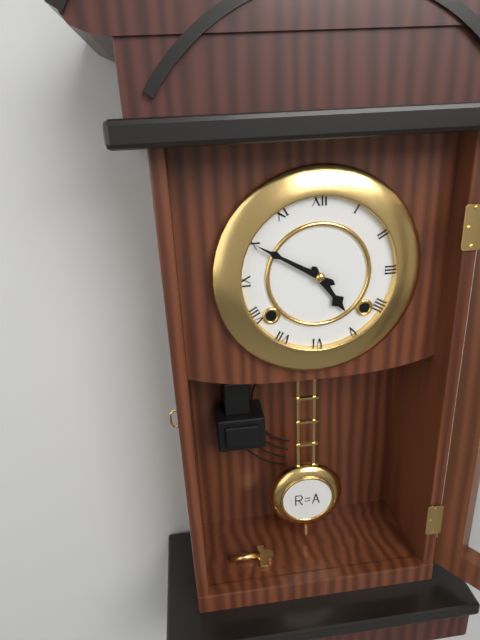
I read {"hour": 4, "minute": 50}
